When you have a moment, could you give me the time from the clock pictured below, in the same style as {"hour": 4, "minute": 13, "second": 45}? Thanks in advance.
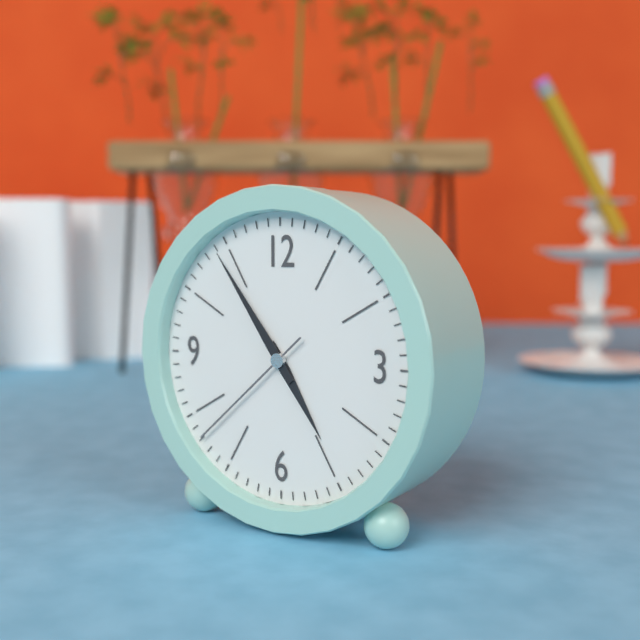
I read {"hour": 4, "minute": 54, "second": 38}
